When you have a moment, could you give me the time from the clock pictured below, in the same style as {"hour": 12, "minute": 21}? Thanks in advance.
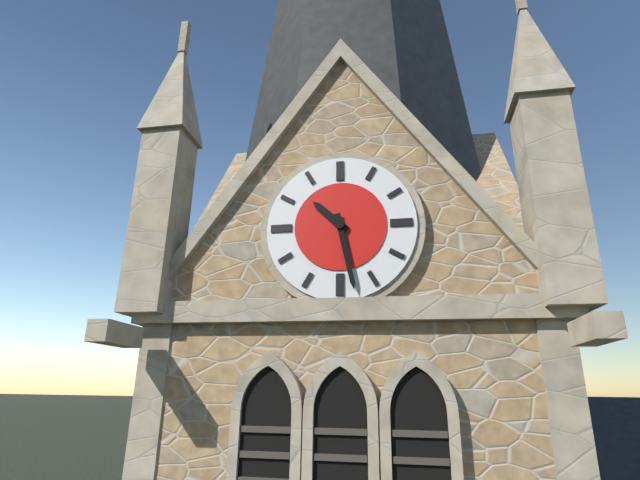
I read {"hour": 10, "minute": 28}
